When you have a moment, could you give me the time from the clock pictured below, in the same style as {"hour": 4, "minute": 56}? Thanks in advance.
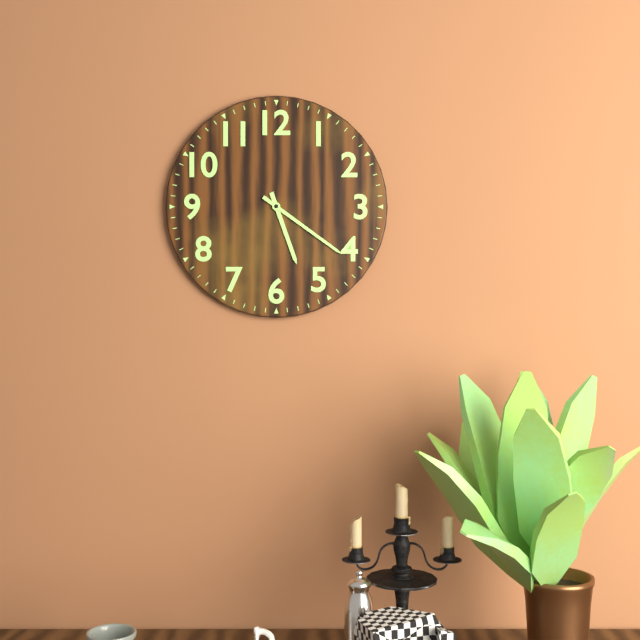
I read {"hour": 5, "minute": 21}
